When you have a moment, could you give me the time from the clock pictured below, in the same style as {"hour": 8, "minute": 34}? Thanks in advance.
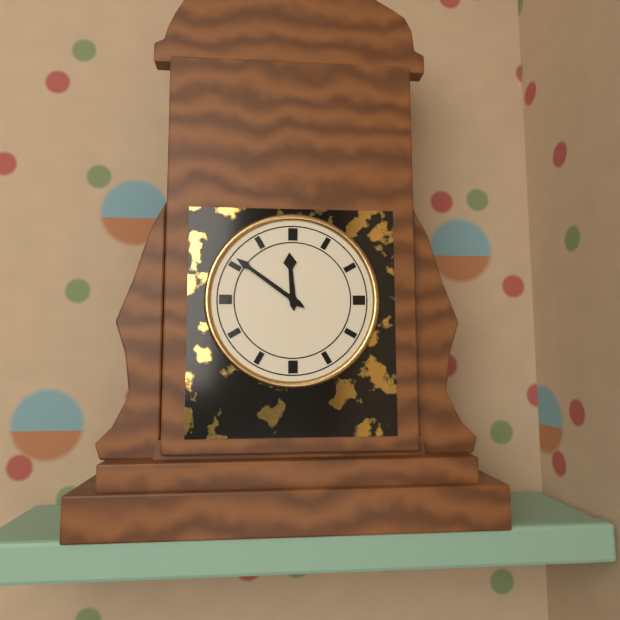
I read {"hour": 11, "minute": 51}
